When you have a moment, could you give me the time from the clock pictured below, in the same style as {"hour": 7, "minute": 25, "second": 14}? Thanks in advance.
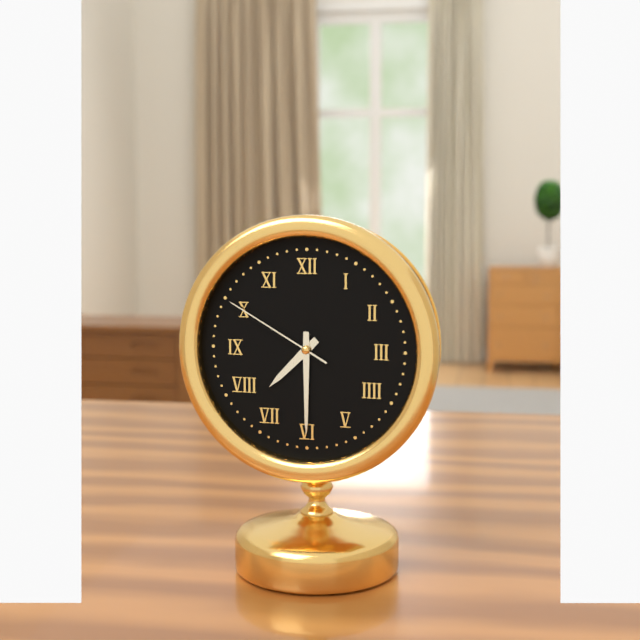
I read {"hour": 7, "minute": 30, "second": 50}
